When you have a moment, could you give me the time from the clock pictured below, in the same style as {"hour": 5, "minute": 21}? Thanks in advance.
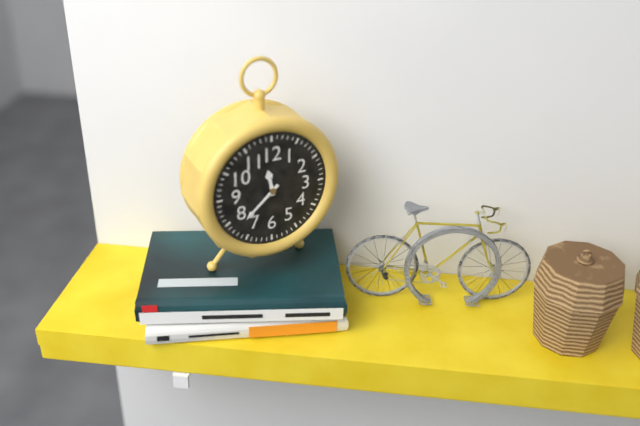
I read {"hour": 11, "minute": 38}
